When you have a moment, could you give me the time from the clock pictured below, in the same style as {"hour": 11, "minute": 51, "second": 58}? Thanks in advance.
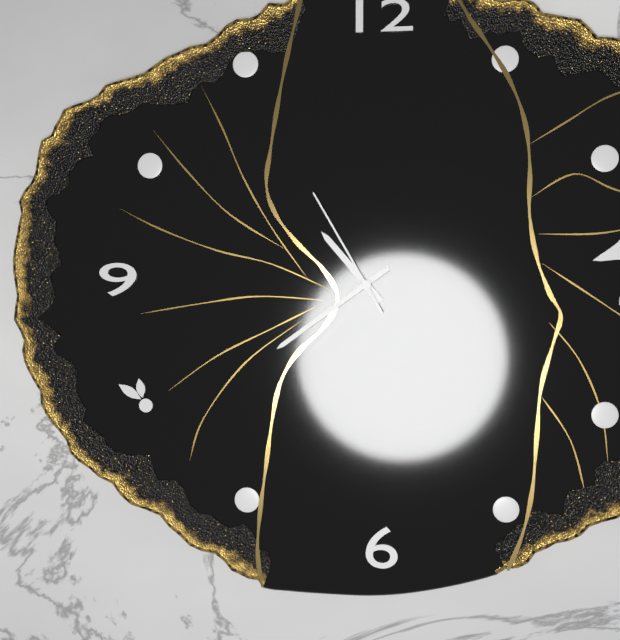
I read {"hour": 10, "minute": 39, "second": 55}
